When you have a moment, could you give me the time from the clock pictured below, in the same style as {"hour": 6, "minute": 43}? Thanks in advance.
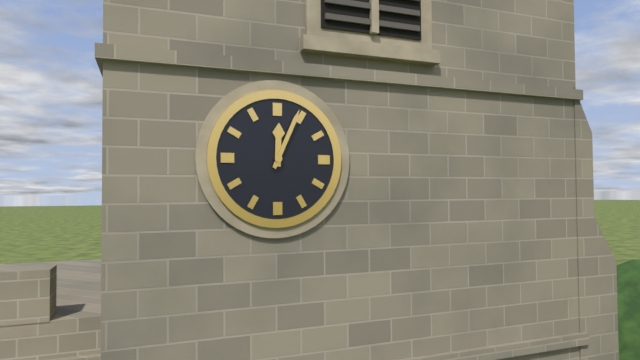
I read {"hour": 12, "minute": 4}
